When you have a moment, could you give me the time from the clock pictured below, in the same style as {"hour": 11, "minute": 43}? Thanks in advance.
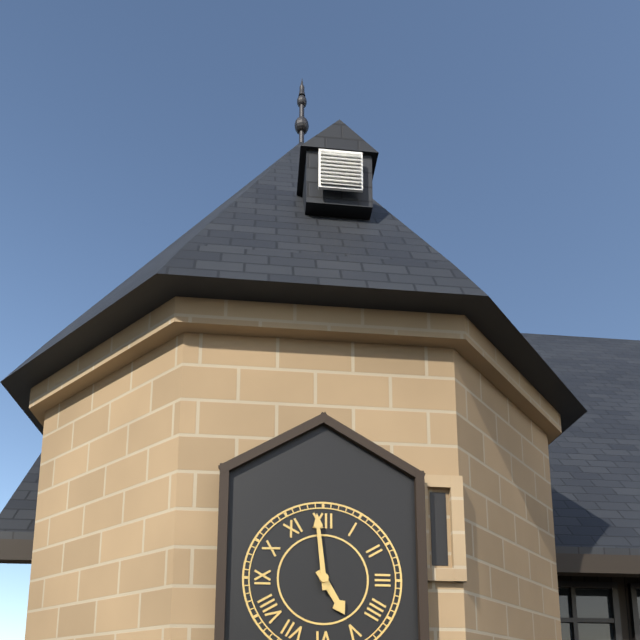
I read {"hour": 4, "minute": 59}
